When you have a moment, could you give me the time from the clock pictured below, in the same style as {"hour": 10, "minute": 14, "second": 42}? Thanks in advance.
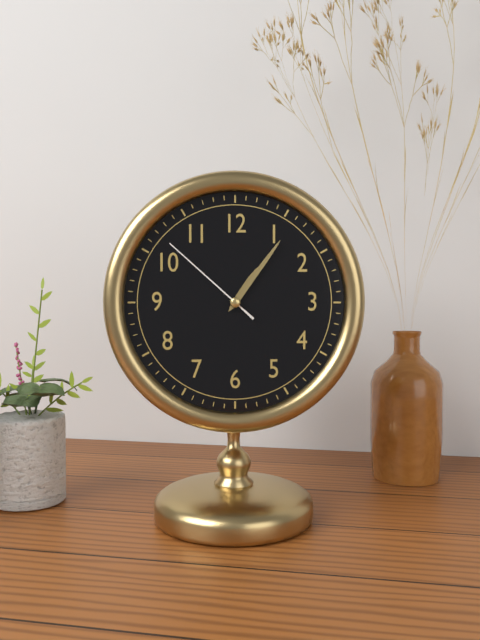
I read {"hour": 1, "minute": 6, "second": 52}
